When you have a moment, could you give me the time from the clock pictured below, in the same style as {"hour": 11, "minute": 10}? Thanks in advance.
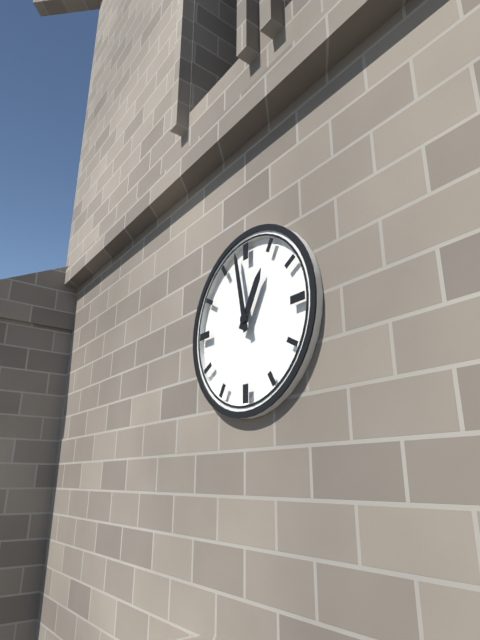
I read {"hour": 12, "minute": 58}
